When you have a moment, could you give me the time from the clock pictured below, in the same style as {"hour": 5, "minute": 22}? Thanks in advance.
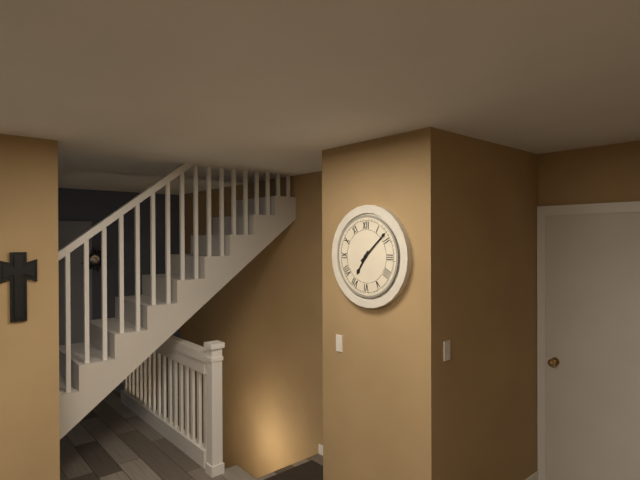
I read {"hour": 7, "minute": 8}
